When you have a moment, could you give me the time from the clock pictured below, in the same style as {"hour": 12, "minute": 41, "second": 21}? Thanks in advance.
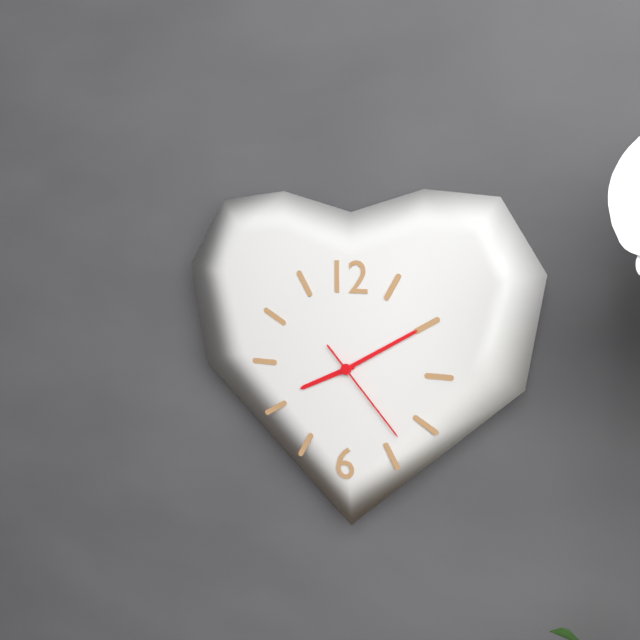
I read {"hour": 8, "minute": 10, "second": 23}
